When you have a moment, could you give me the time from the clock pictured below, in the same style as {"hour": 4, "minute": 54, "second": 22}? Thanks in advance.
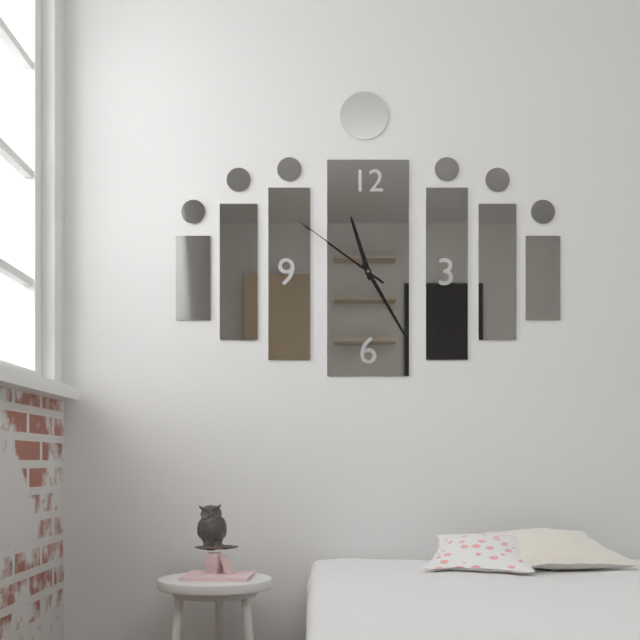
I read {"hour": 11, "minute": 25, "second": 51}
